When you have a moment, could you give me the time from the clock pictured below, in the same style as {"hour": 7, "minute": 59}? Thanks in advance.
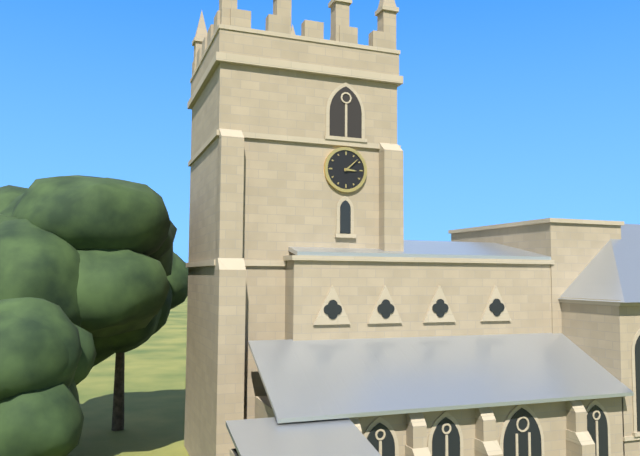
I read {"hour": 3, "minute": 8}
